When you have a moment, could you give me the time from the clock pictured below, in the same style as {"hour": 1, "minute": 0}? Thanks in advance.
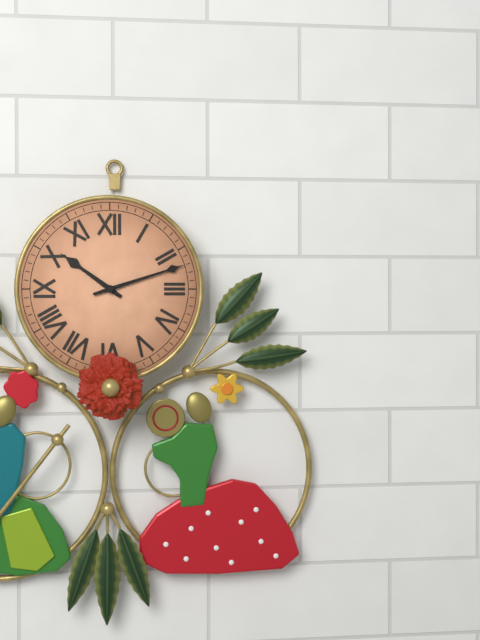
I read {"hour": 10, "minute": 12}
